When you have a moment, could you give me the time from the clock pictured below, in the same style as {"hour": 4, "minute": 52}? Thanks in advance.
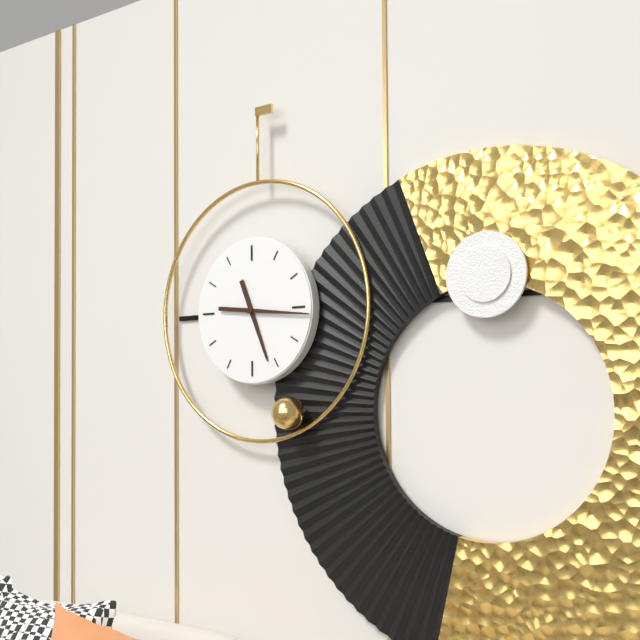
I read {"hour": 5, "minute": 16}
